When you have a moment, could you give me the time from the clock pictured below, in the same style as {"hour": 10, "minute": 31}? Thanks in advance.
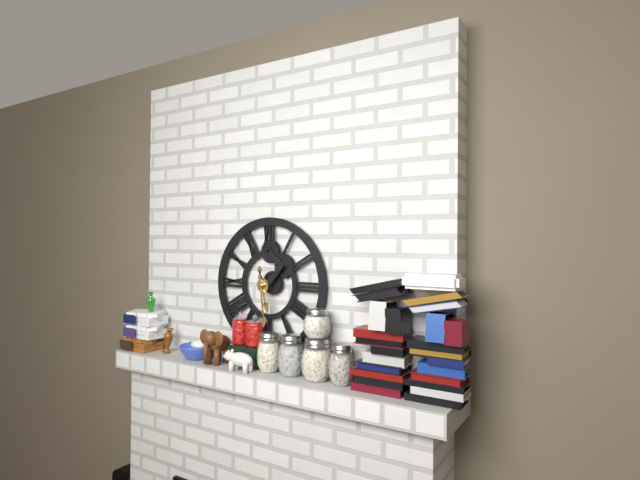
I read {"hour": 5, "minute": 29}
